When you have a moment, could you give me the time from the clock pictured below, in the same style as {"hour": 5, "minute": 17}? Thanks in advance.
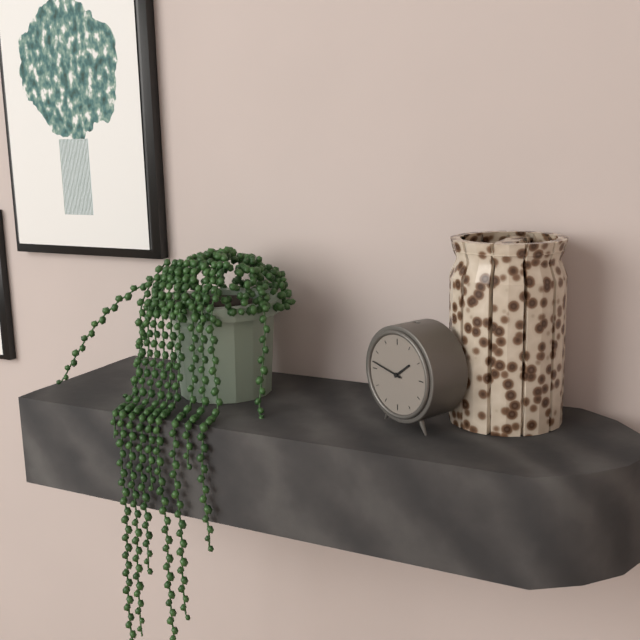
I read {"hour": 1, "minute": 47}
